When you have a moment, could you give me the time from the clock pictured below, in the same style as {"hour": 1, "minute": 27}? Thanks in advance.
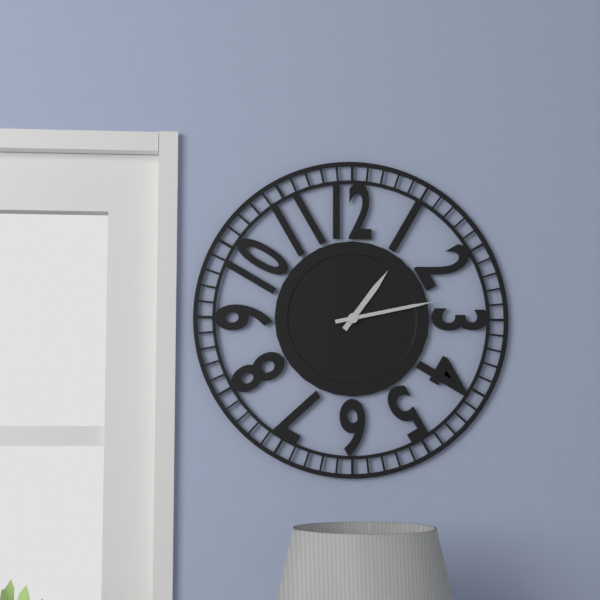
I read {"hour": 1, "minute": 13}
